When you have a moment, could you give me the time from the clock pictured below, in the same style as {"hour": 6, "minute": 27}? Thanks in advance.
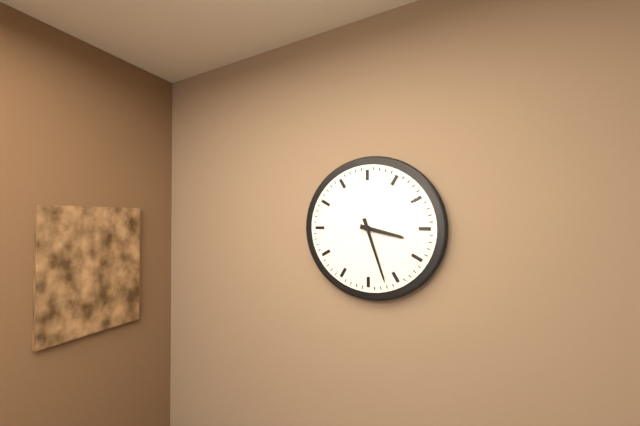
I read {"hour": 3, "minute": 27}
